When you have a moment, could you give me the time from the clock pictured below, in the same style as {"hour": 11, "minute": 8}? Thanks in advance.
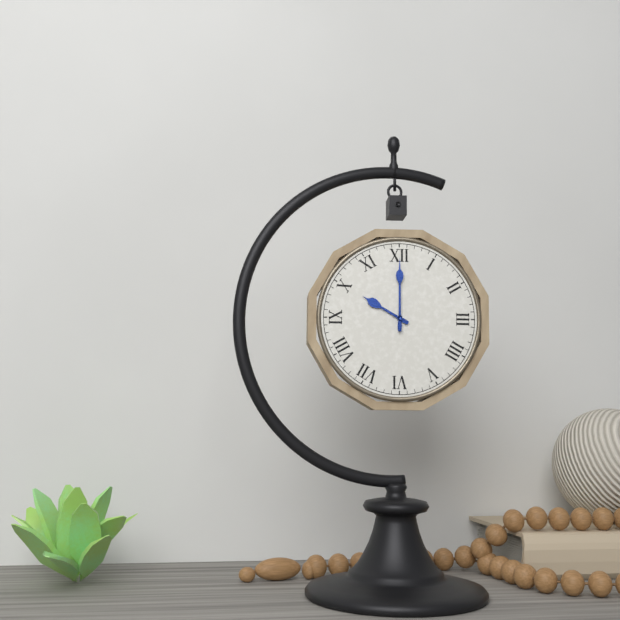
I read {"hour": 10, "minute": 0}
